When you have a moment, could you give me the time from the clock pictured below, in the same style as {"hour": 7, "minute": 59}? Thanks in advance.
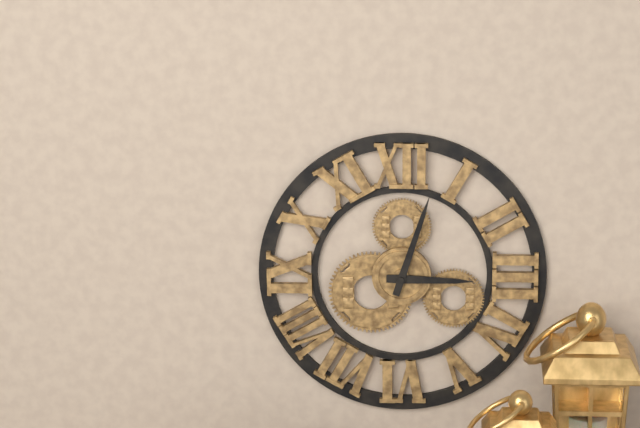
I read {"hour": 3, "minute": 3}
